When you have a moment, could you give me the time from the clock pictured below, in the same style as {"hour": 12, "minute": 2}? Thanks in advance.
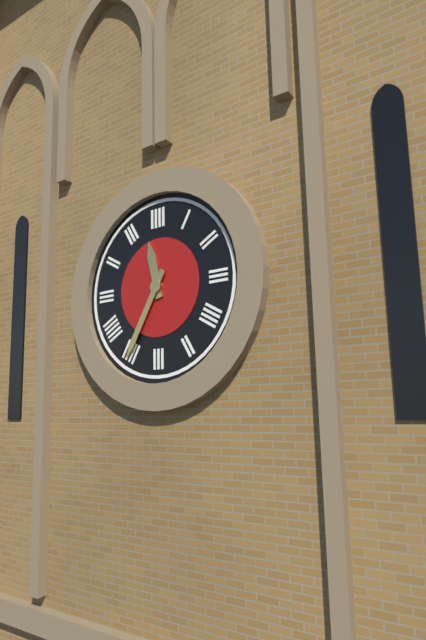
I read {"hour": 11, "minute": 35}
